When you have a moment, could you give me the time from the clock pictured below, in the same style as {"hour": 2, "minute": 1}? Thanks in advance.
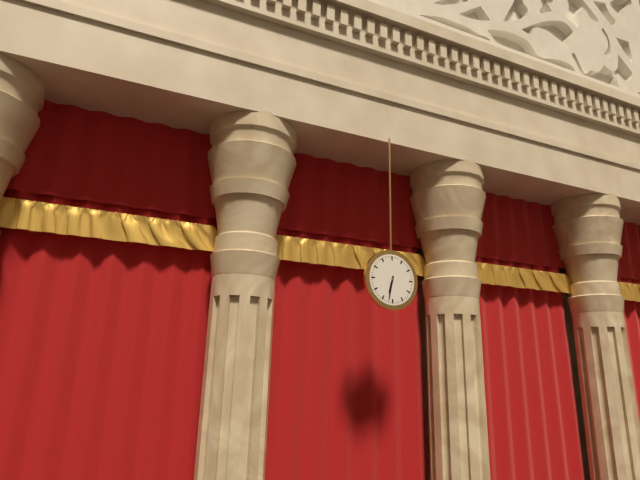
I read {"hour": 6, "minute": 32}
